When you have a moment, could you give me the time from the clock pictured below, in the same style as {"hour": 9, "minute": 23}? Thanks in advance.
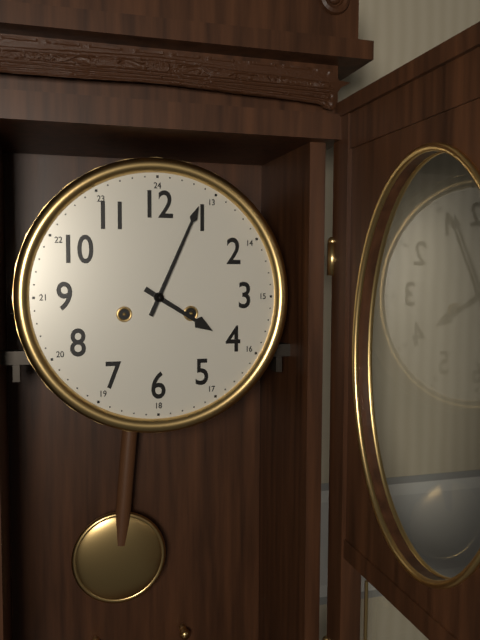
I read {"hour": 4, "minute": 4}
